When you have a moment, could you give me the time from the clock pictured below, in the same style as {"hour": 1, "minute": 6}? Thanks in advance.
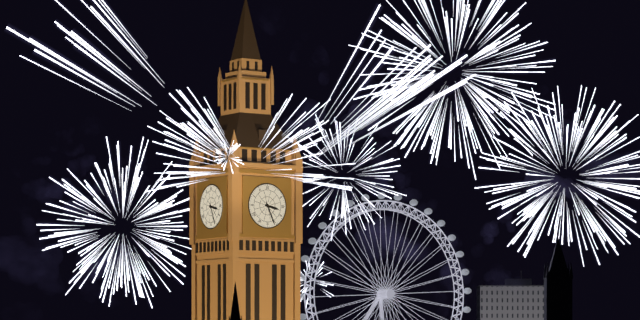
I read {"hour": 3, "minute": 26}
